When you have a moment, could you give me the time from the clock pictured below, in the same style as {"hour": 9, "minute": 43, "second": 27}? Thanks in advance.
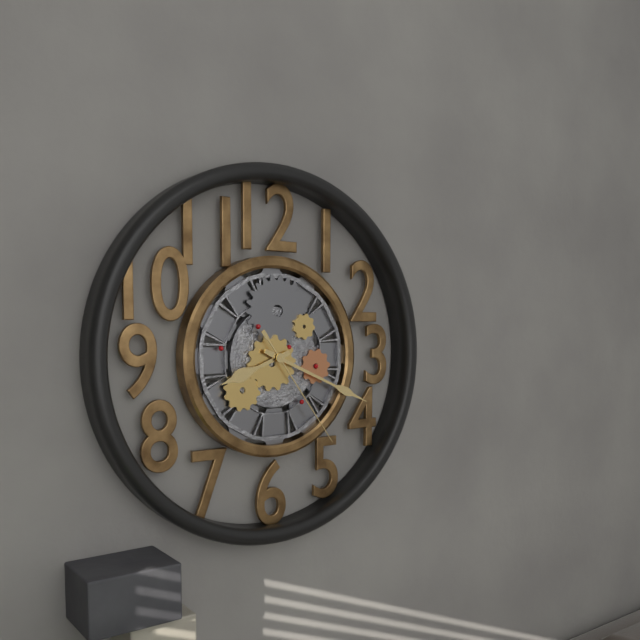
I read {"hour": 8, "minute": 19, "second": 24}
